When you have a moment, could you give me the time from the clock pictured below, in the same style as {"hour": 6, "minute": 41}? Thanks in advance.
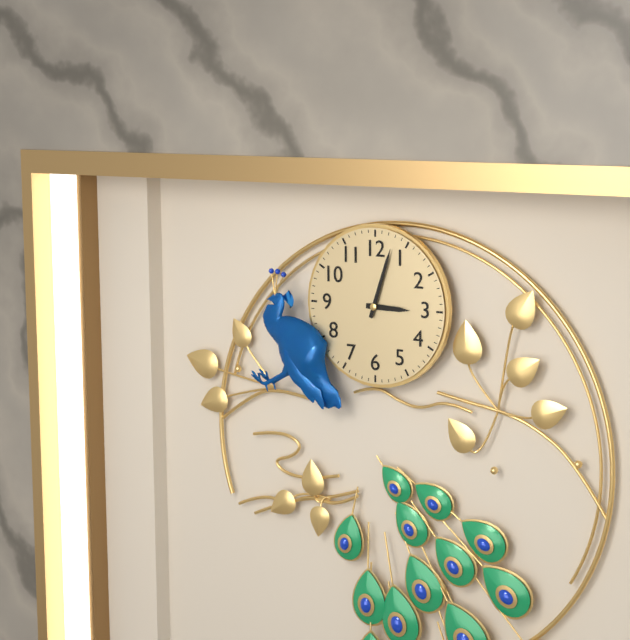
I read {"hour": 3, "minute": 3}
